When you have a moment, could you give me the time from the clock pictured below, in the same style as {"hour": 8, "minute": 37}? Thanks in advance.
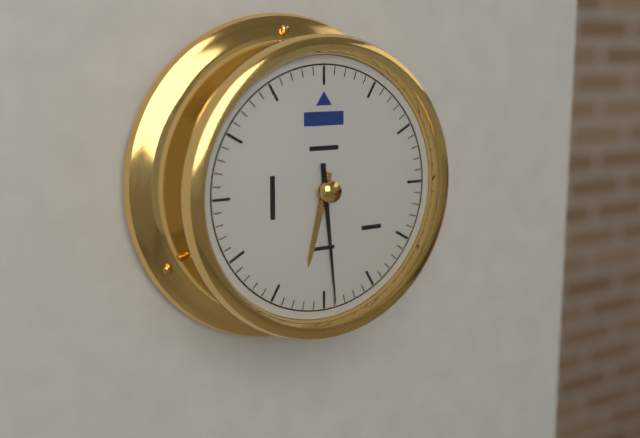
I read {"hour": 6, "minute": 29}
